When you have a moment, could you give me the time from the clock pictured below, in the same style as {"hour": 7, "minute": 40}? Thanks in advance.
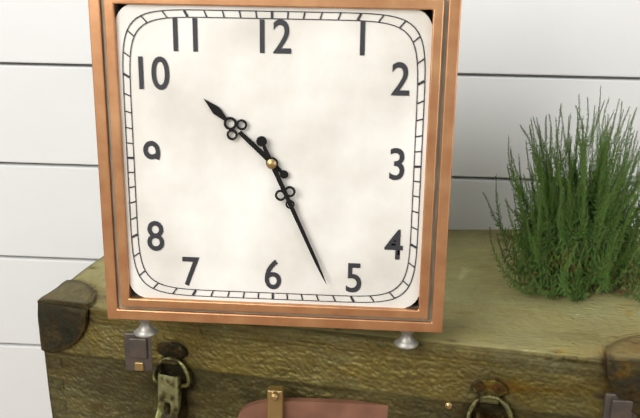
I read {"hour": 10, "minute": 26}
